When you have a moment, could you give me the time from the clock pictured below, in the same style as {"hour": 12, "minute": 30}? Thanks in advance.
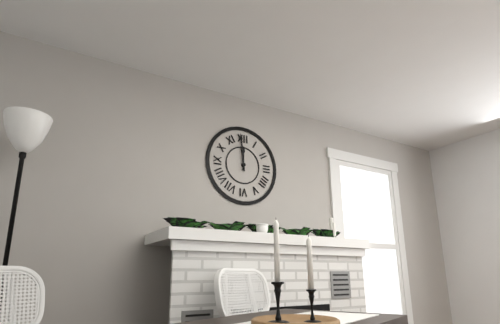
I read {"hour": 11, "minute": 59}
